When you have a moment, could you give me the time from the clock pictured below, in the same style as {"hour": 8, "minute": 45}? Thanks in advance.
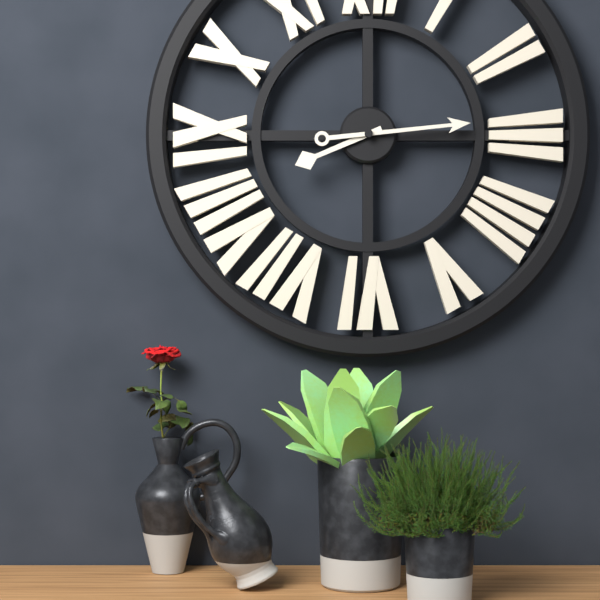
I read {"hour": 8, "minute": 14}
